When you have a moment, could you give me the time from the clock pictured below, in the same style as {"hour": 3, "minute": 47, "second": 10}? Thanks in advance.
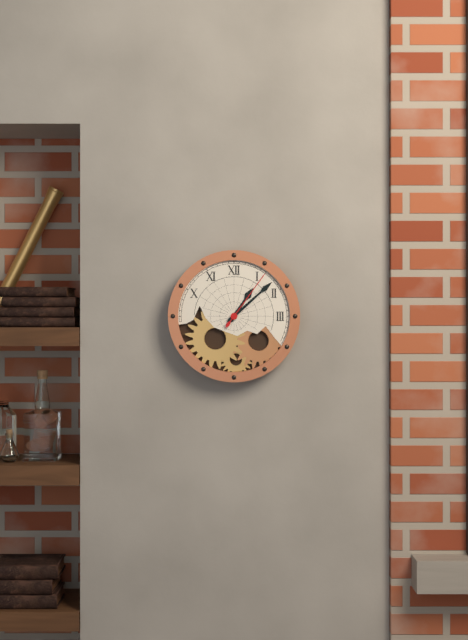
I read {"hour": 1, "minute": 8, "second": 6}
